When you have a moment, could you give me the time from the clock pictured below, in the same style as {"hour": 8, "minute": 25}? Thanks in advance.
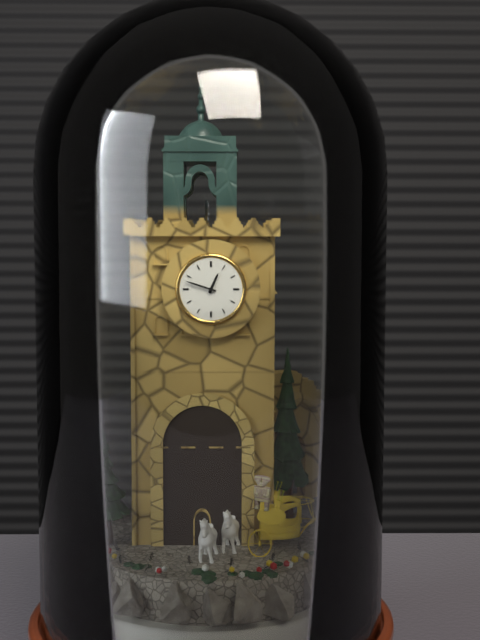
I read {"hour": 12, "minute": 48}
